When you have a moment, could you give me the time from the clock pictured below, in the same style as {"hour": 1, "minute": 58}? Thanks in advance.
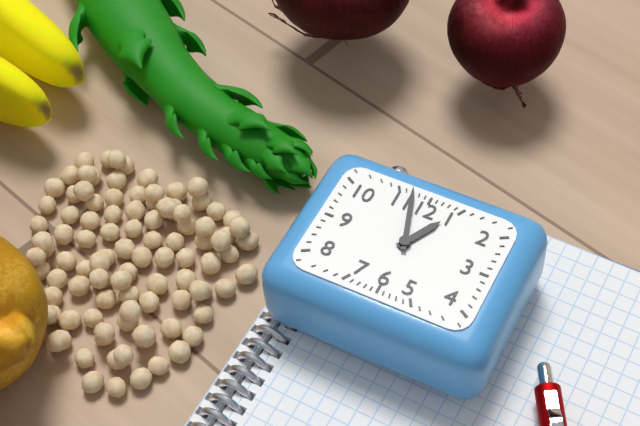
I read {"hour": 12, "minute": 57}
